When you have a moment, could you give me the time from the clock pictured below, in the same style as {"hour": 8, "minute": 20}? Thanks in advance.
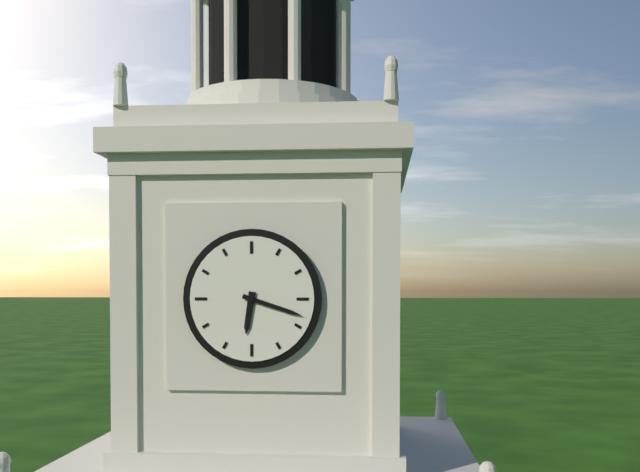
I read {"hour": 6, "minute": 18}
